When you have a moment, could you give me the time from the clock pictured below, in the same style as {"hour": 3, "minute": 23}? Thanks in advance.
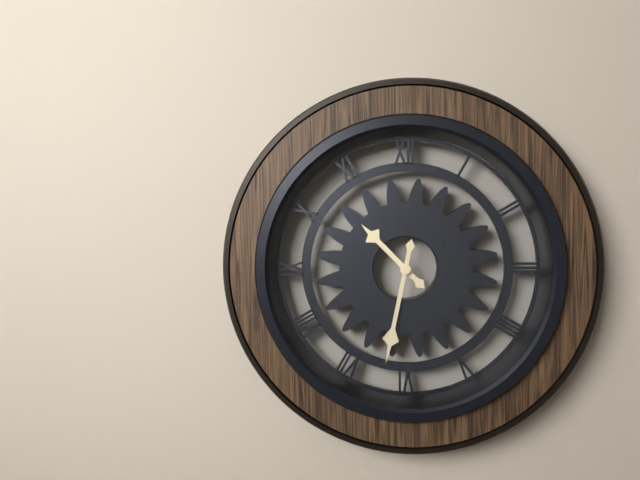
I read {"hour": 10, "minute": 32}
